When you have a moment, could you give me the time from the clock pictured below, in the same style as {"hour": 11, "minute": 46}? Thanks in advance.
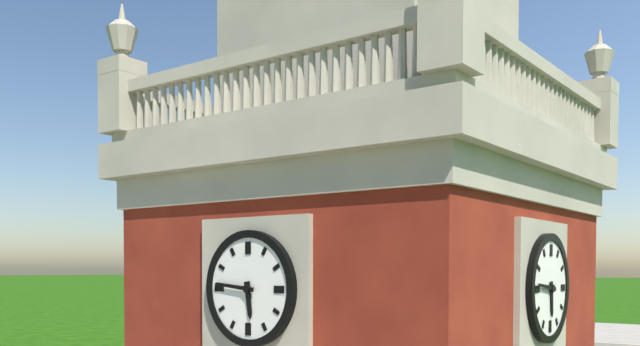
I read {"hour": 5, "minute": 46}
